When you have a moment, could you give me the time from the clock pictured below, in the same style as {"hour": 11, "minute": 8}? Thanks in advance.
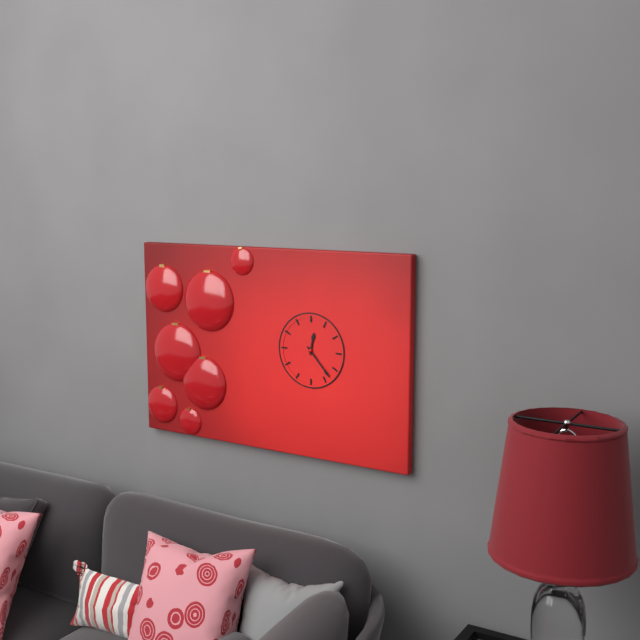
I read {"hour": 12, "minute": 23}
